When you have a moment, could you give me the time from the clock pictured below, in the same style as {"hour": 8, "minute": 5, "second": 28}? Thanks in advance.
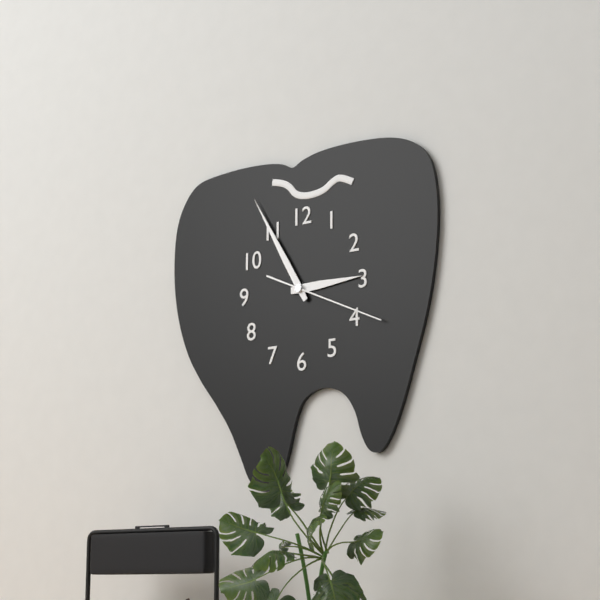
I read {"hour": 2, "minute": 55, "second": 19}
